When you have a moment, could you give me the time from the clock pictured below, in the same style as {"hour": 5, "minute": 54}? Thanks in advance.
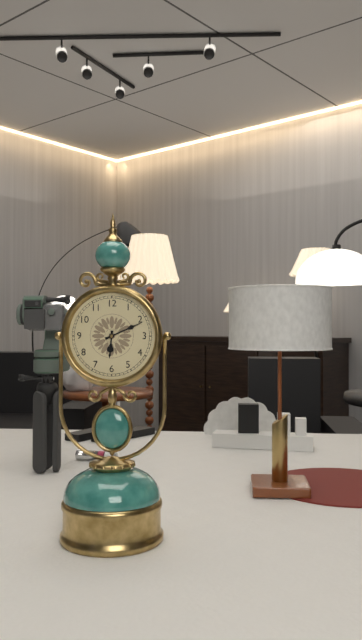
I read {"hour": 6, "minute": 11}
